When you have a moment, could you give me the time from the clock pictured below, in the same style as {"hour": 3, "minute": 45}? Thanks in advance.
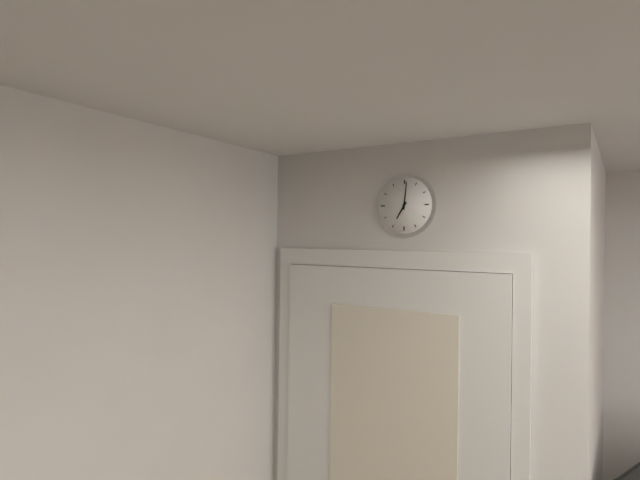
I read {"hour": 7, "minute": 1}
